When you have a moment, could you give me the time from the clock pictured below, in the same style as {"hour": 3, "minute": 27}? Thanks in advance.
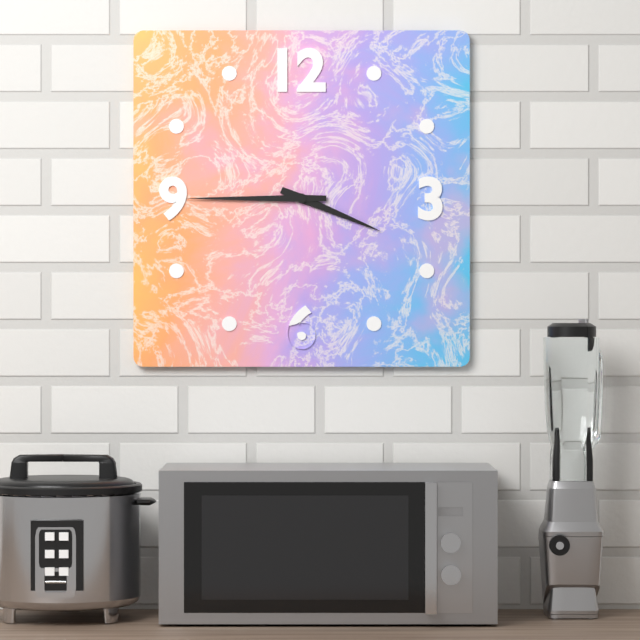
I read {"hour": 3, "minute": 45}
